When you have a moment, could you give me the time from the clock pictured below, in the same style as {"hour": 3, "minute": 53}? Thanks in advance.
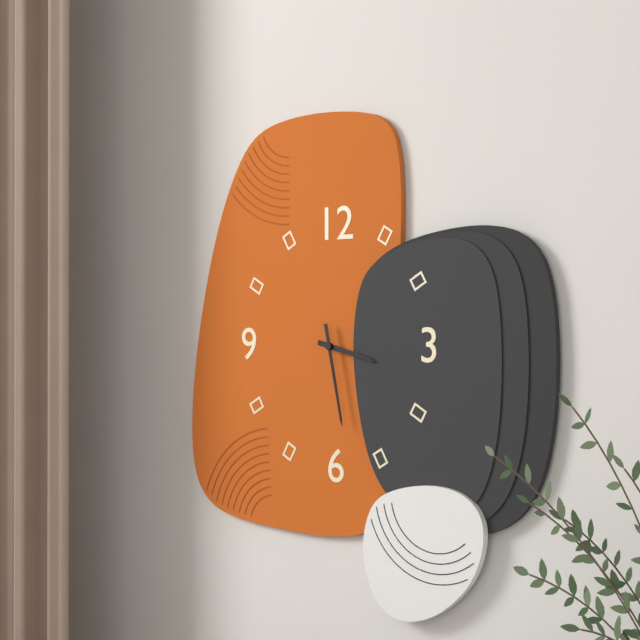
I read {"hour": 3, "minute": 28}
